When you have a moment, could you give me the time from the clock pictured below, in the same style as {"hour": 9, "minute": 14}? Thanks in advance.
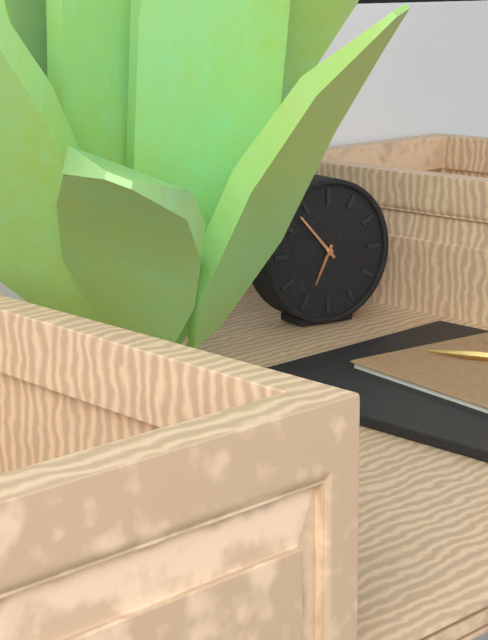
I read {"hour": 6, "minute": 53}
